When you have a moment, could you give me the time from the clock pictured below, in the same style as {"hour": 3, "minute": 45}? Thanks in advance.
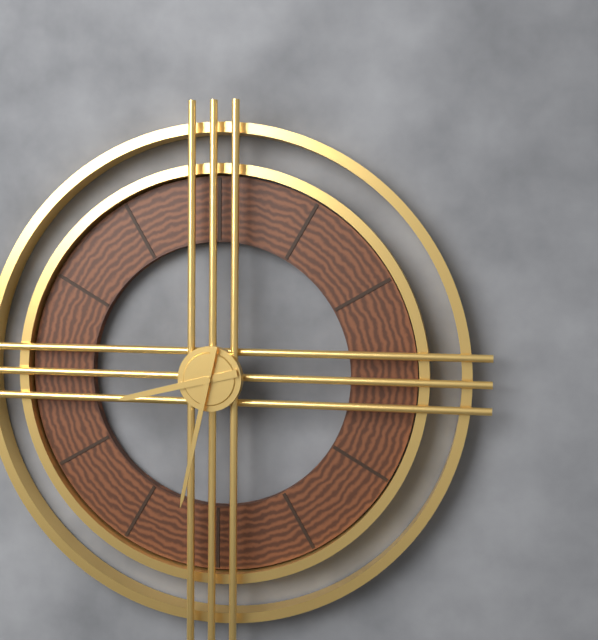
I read {"hour": 8, "minute": 32}
